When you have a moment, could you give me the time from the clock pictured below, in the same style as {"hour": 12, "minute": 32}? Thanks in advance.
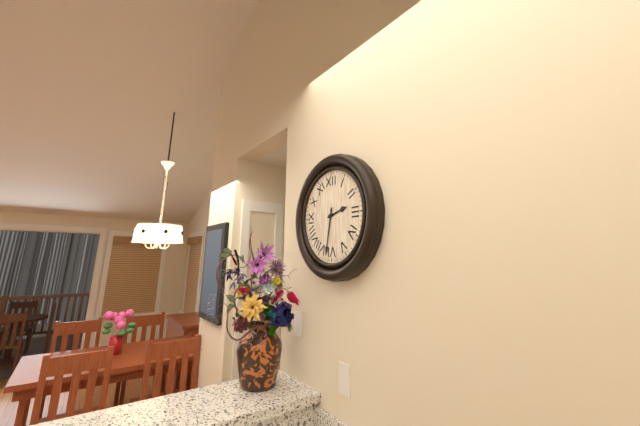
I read {"hour": 2, "minute": 32}
